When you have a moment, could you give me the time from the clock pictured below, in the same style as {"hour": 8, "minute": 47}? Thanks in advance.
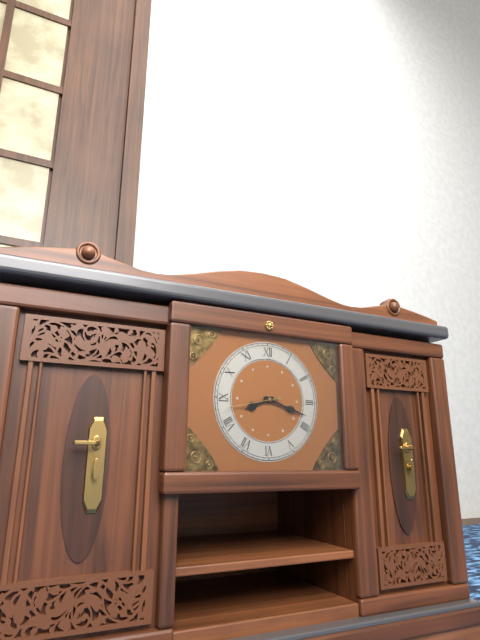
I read {"hour": 8, "minute": 18}
